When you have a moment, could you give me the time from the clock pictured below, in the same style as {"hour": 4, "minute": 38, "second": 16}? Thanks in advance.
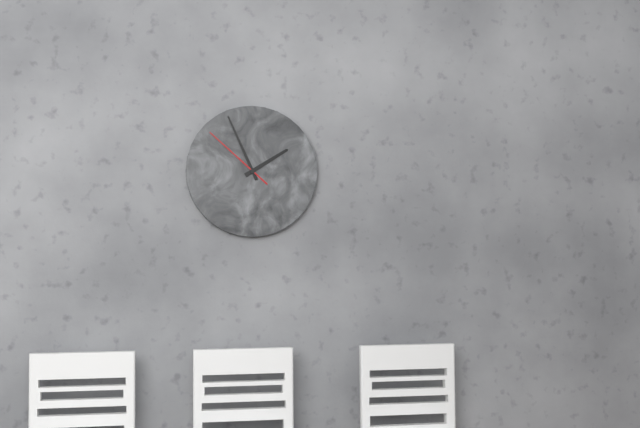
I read {"hour": 1, "minute": 56, "second": 52}
